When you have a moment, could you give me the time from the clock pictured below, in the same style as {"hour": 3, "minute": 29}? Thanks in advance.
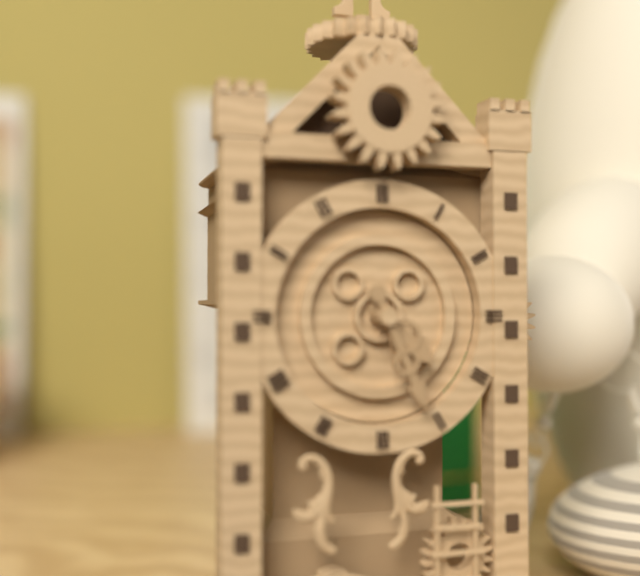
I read {"hour": 4, "minute": 26}
